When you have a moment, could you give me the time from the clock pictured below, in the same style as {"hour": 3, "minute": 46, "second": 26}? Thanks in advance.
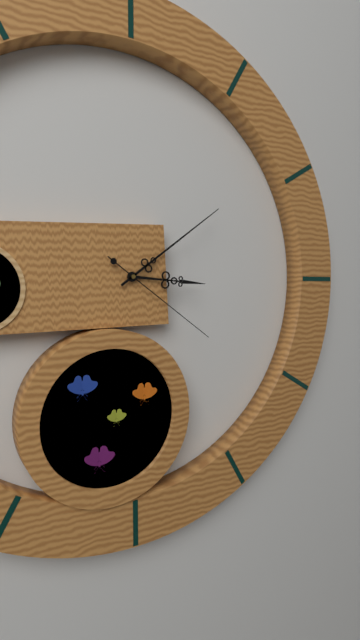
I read {"hour": 3, "minute": 9, "second": 21}
